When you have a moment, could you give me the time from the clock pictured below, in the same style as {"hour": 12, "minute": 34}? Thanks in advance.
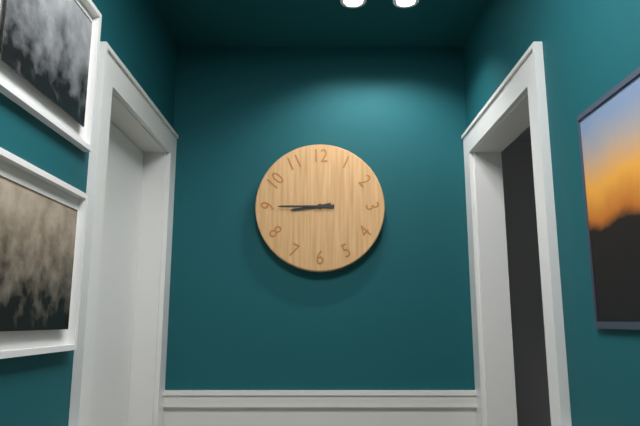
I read {"hour": 8, "minute": 45}
